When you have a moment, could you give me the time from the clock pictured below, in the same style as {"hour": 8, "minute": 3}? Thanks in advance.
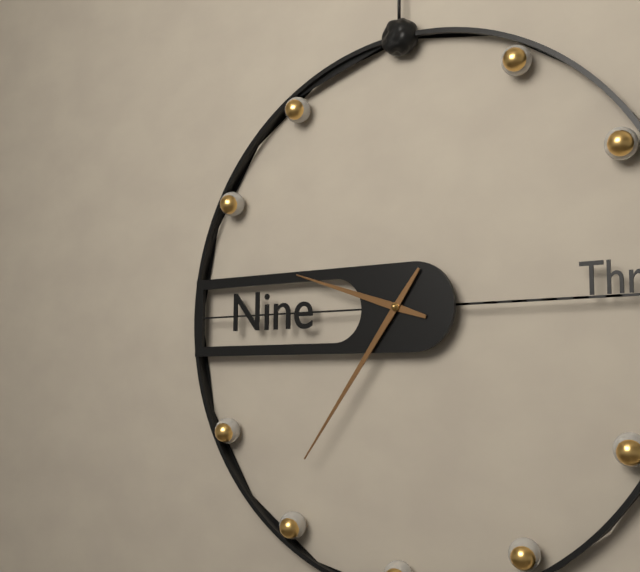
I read {"hour": 9, "minute": 36}
